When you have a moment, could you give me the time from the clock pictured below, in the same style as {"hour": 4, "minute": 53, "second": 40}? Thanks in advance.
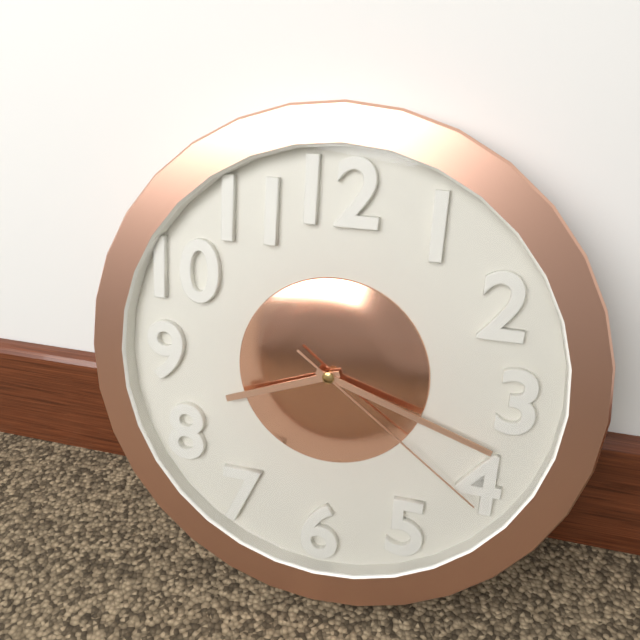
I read {"hour": 8, "minute": 18, "second": 21}
